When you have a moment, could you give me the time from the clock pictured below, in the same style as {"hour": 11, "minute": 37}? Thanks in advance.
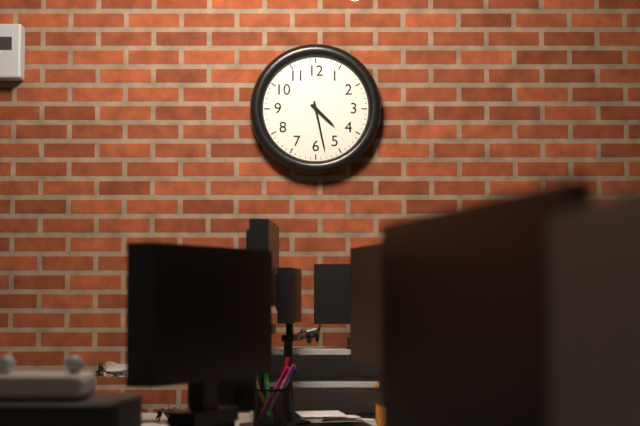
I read {"hour": 4, "minute": 28}
